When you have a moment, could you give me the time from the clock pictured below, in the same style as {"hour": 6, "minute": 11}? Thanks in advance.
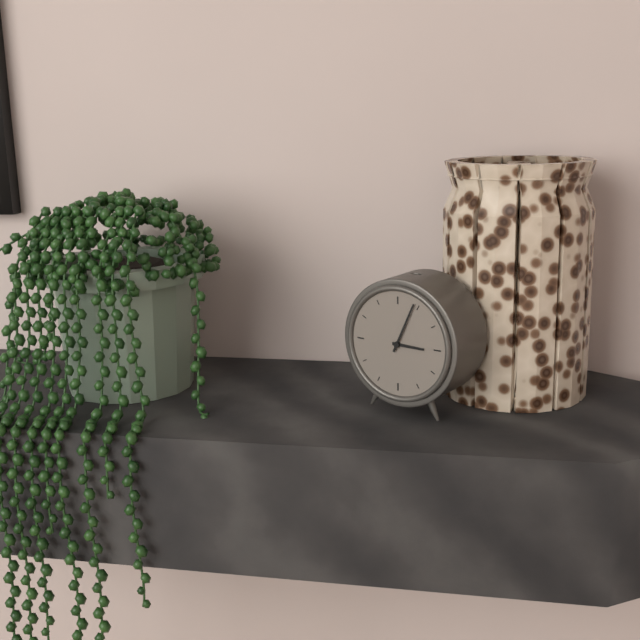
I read {"hour": 3, "minute": 4}
